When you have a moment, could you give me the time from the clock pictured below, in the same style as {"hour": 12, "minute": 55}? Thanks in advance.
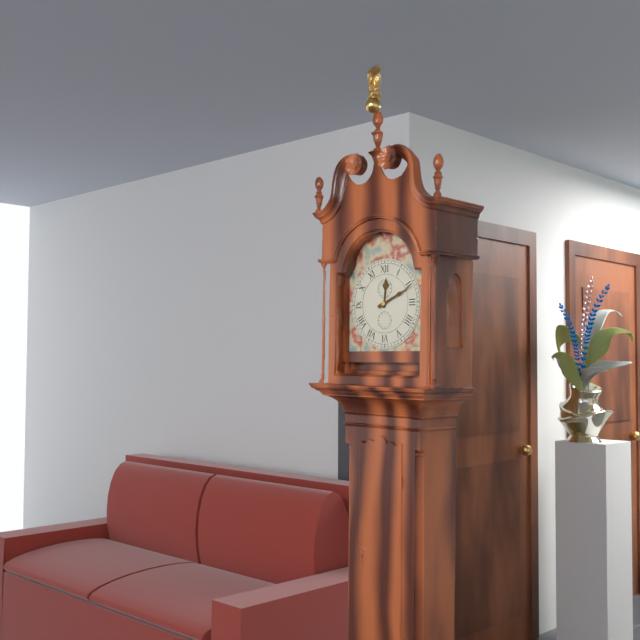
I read {"hour": 12, "minute": 11}
